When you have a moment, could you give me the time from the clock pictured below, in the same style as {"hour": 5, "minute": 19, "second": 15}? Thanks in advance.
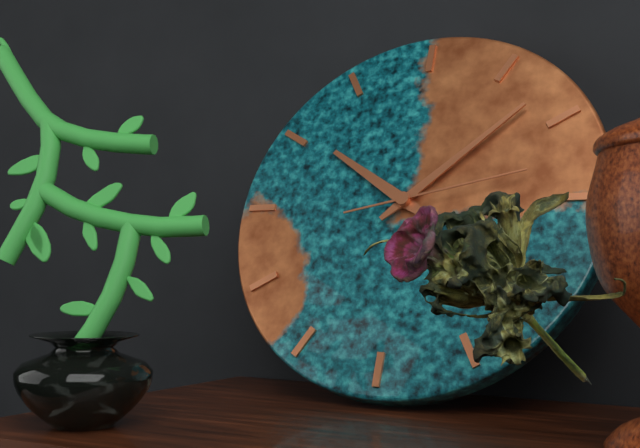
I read {"hour": 10, "minute": 8, "second": 13}
